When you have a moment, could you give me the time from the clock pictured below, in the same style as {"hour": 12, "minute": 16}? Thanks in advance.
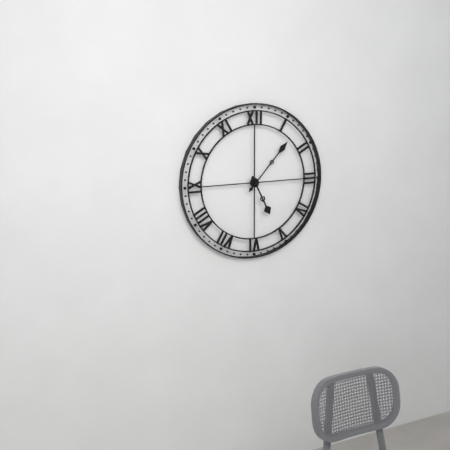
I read {"hour": 5, "minute": 7}
